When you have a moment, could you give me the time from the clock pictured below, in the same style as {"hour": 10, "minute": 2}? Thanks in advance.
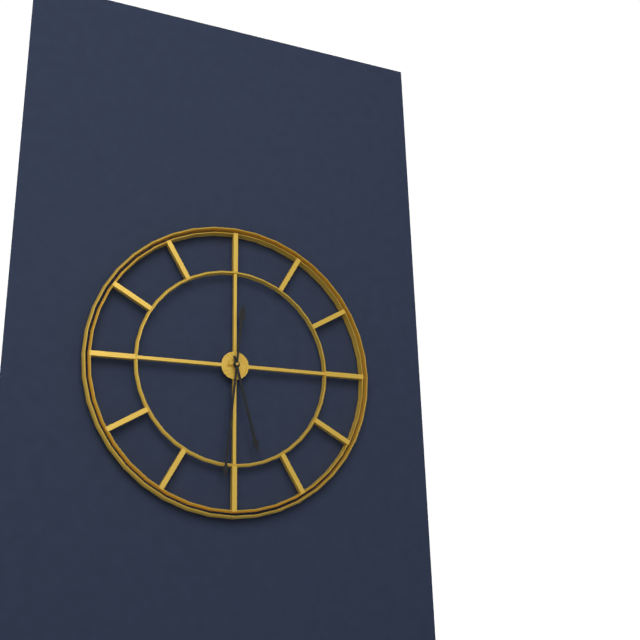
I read {"hour": 5, "minute": 31}
